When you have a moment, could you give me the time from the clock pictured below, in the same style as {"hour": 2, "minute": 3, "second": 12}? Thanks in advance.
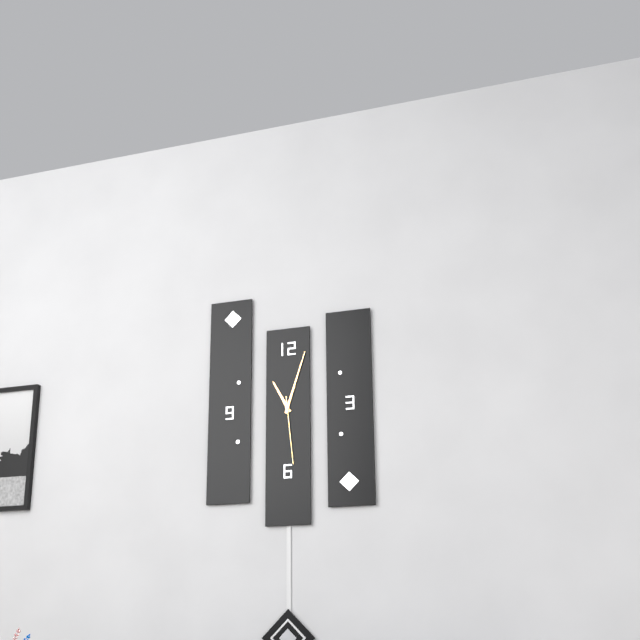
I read {"hour": 11, "minute": 3, "second": 29}
